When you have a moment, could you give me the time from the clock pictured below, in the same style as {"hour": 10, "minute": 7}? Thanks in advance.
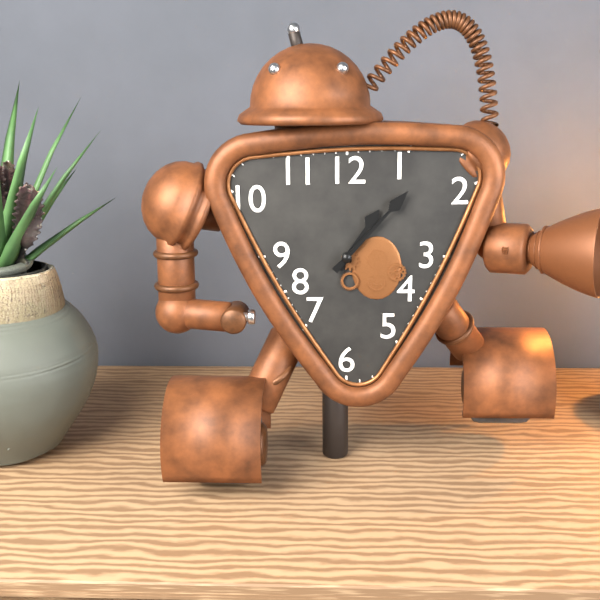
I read {"hour": 1, "minute": 7}
